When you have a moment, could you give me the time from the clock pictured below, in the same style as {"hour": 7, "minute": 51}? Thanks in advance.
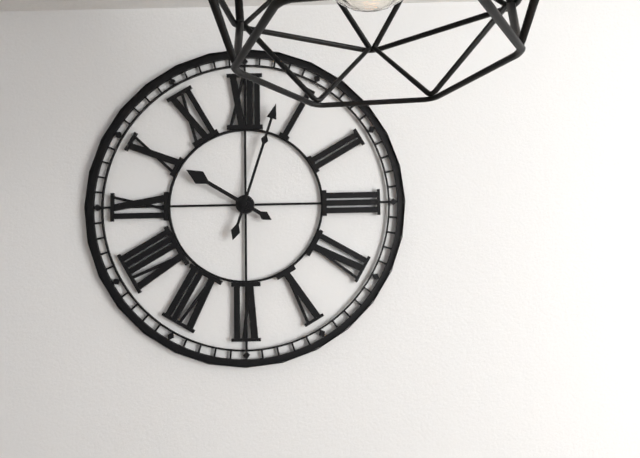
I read {"hour": 10, "minute": 3}
